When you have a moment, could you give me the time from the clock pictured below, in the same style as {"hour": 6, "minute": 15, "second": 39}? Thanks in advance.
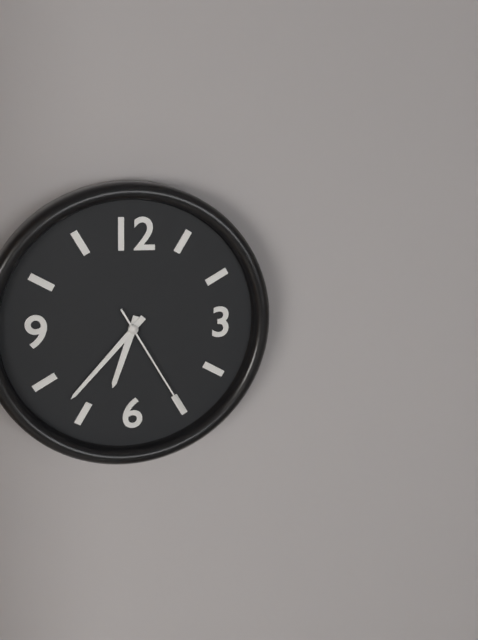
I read {"hour": 6, "minute": 37, "second": 25}
